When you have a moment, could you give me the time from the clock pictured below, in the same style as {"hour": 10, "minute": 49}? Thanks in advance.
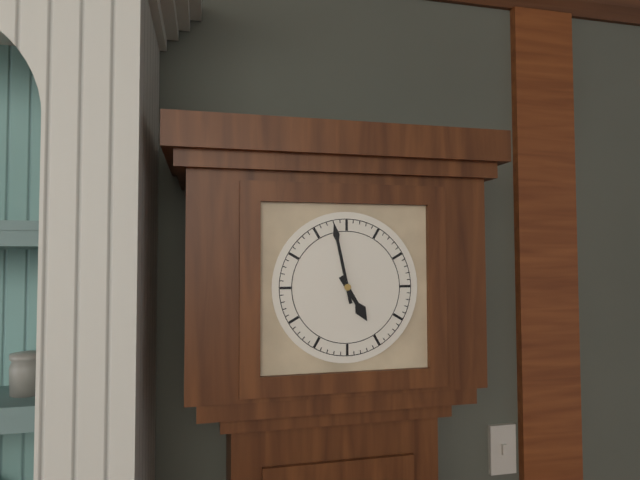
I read {"hour": 4, "minute": 58}
